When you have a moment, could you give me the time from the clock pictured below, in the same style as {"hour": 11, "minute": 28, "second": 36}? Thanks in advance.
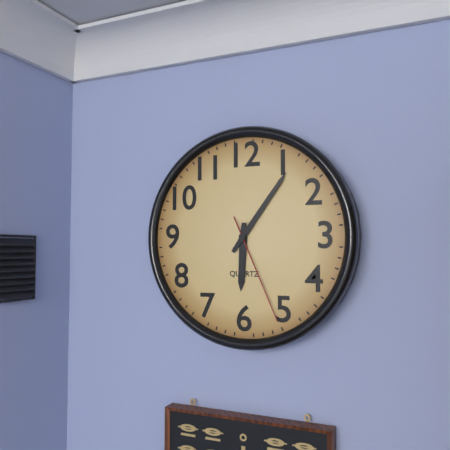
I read {"hour": 6, "minute": 6, "second": 26}
